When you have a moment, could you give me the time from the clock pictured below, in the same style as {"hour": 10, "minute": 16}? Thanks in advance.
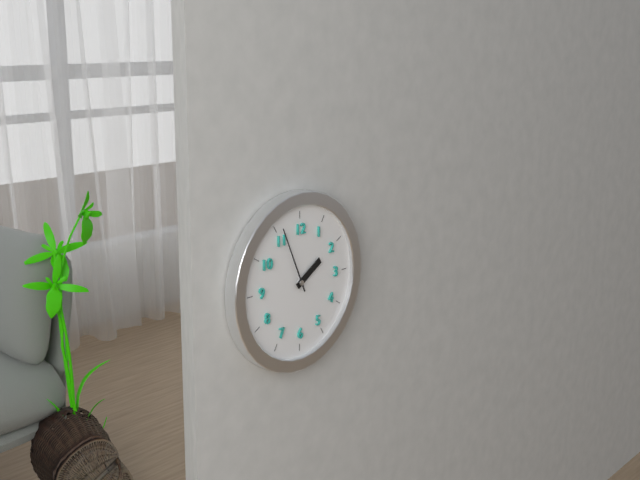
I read {"hour": 1, "minute": 56}
